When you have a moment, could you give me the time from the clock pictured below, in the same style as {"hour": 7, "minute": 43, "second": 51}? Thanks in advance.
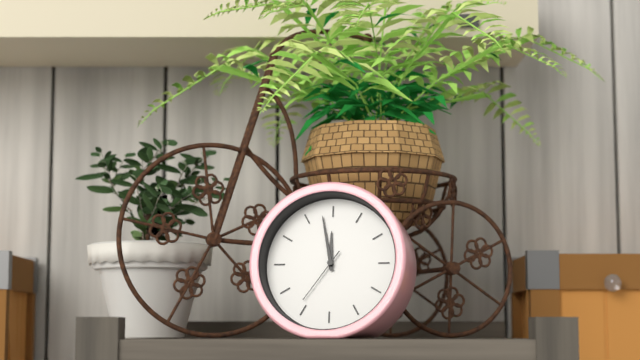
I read {"hour": 11, "minute": 58, "second": 36}
